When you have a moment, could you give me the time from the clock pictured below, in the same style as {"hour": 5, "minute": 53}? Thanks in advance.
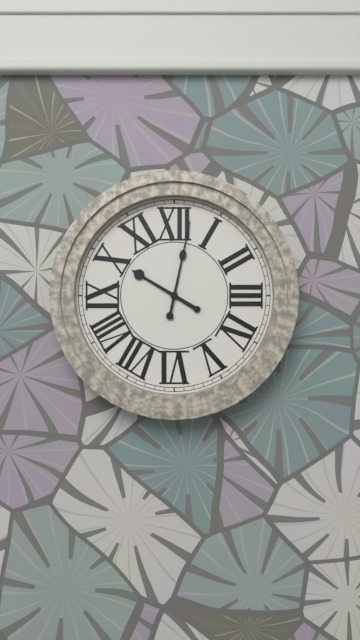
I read {"hour": 10, "minute": 2}
